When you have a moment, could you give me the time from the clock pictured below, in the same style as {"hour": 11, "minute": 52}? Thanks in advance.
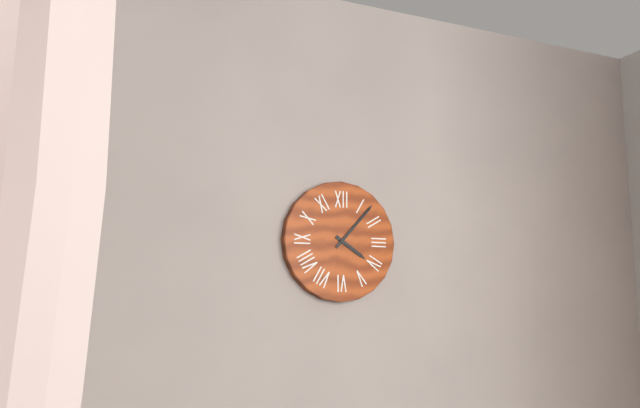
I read {"hour": 4, "minute": 7}
